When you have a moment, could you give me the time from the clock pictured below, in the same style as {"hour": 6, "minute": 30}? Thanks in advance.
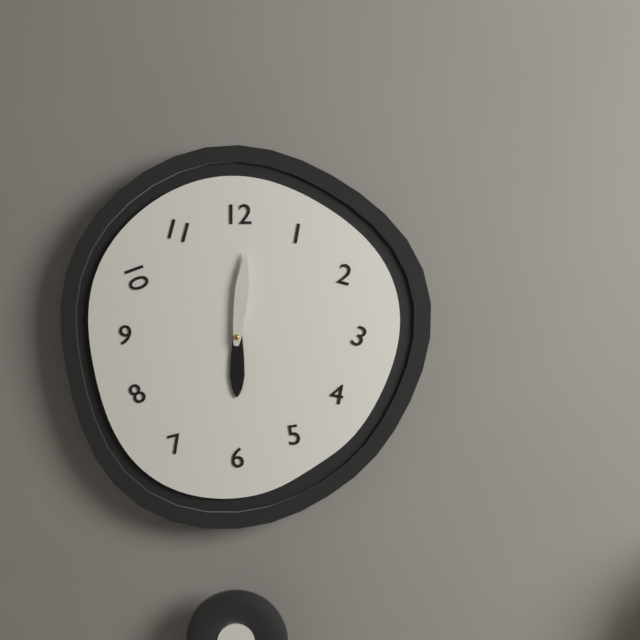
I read {"hour": 6, "minute": 1}
